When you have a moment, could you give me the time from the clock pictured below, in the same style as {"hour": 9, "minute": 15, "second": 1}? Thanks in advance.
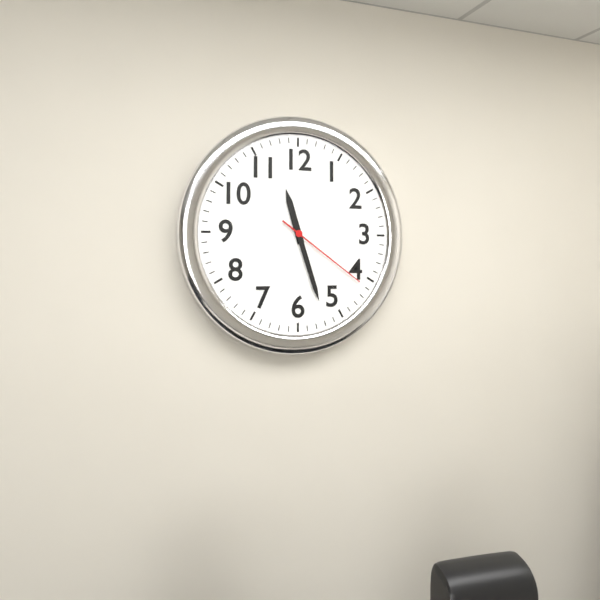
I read {"hour": 11, "minute": 27, "second": 21}
